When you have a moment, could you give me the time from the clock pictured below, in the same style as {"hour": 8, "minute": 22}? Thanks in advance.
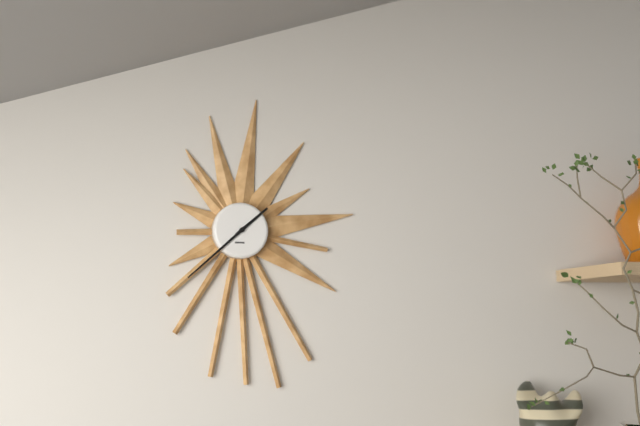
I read {"hour": 1, "minute": 38}
